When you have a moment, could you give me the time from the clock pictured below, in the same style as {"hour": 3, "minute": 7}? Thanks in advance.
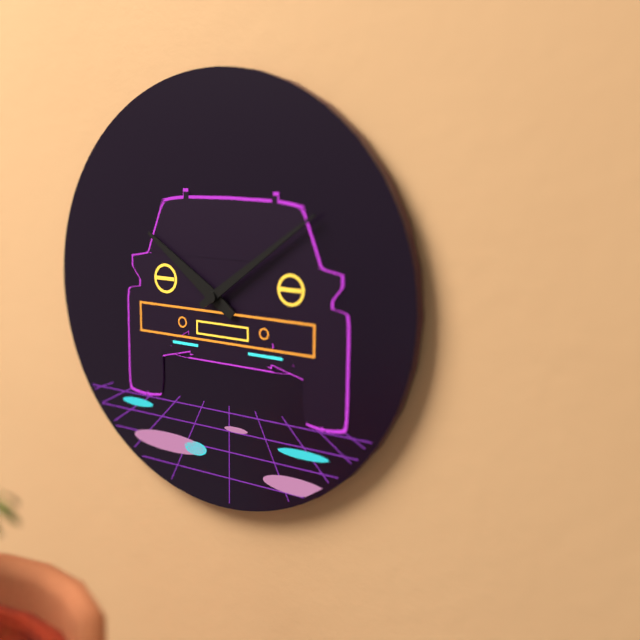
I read {"hour": 10, "minute": 9}
